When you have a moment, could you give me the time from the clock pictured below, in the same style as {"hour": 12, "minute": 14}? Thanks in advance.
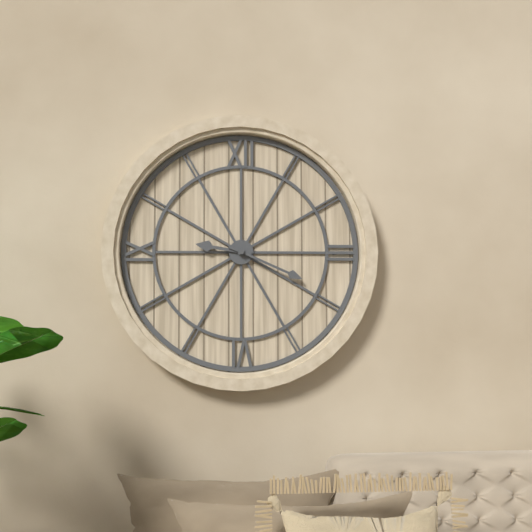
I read {"hour": 9, "minute": 19}
